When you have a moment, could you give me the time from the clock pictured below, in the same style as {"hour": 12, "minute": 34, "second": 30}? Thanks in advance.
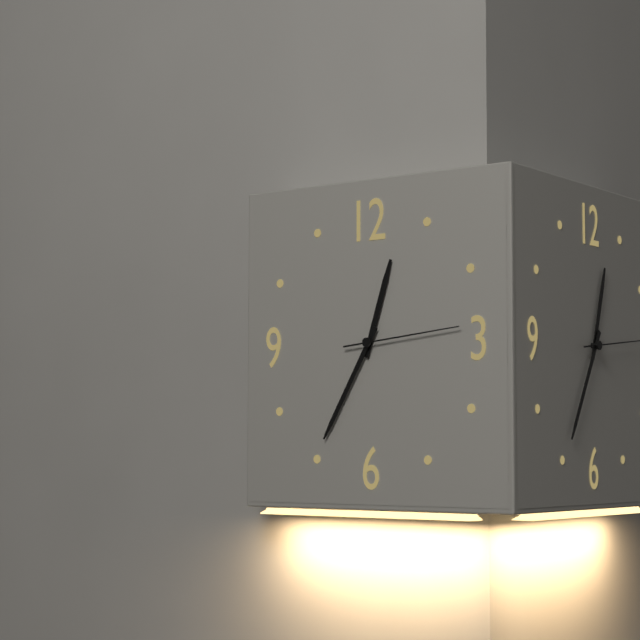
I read {"hour": 12, "minute": 35, "second": 14}
